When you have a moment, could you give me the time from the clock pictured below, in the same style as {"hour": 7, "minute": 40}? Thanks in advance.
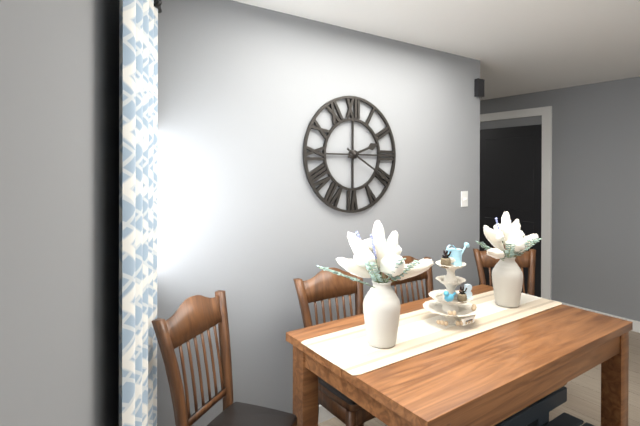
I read {"hour": 2, "minute": 20}
